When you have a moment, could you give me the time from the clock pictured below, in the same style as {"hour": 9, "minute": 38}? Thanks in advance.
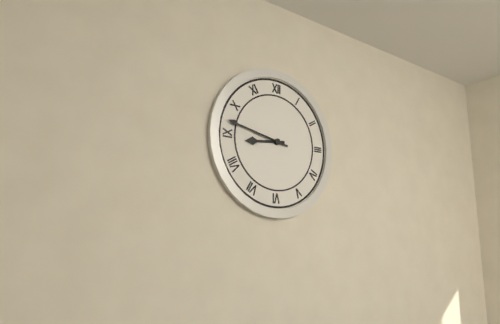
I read {"hour": 8, "minute": 47}
